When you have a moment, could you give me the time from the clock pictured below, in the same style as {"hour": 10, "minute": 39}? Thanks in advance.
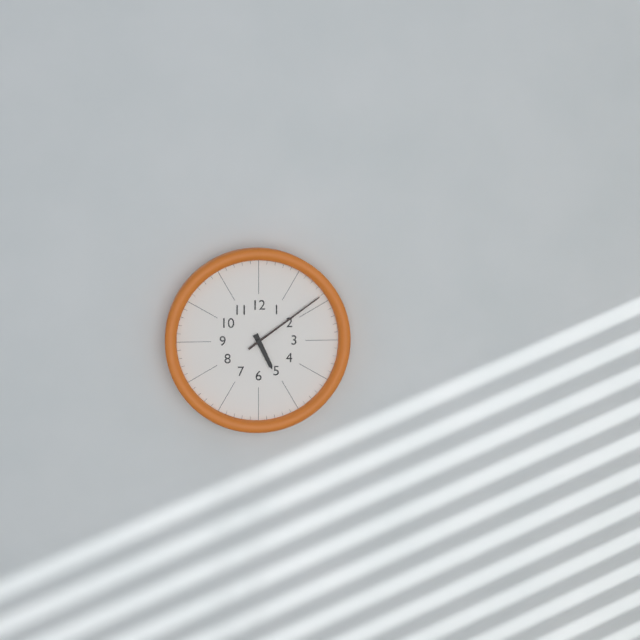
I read {"hour": 5, "minute": 9}
